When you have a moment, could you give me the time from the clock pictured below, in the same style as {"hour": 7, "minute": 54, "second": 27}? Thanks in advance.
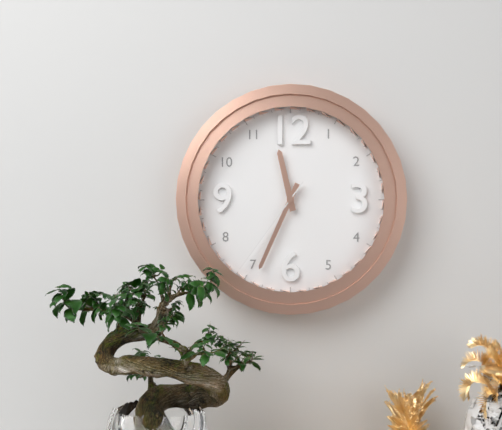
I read {"hour": 11, "minute": 34, "second": 36}
